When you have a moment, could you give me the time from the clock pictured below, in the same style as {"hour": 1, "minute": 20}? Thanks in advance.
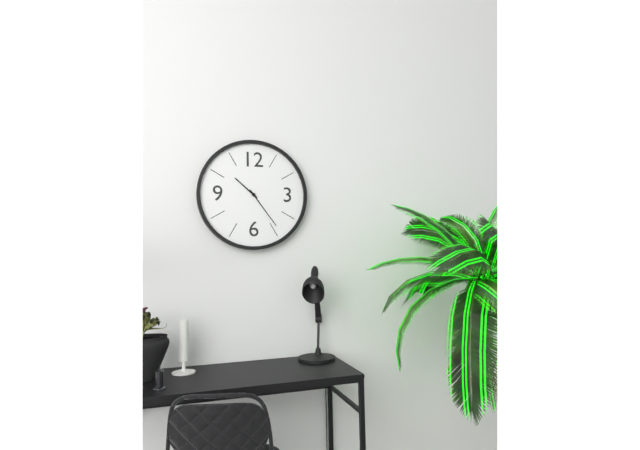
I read {"hour": 10, "minute": 24}
